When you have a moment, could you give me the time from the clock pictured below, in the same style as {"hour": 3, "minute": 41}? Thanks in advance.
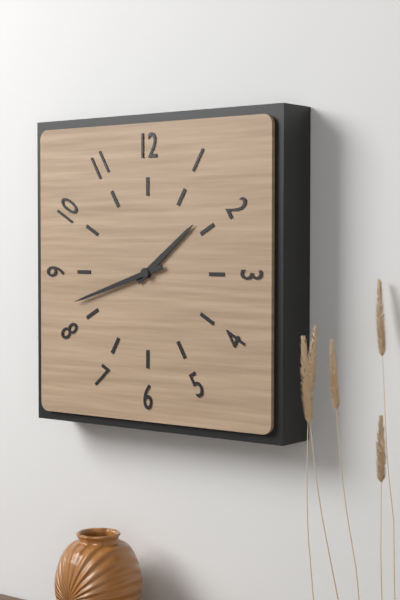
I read {"hour": 1, "minute": 42}
